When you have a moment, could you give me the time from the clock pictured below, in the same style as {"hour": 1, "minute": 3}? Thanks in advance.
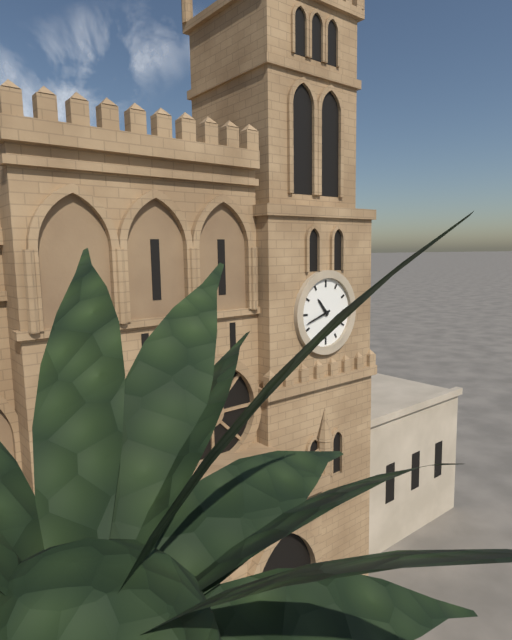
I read {"hour": 10, "minute": 42}
